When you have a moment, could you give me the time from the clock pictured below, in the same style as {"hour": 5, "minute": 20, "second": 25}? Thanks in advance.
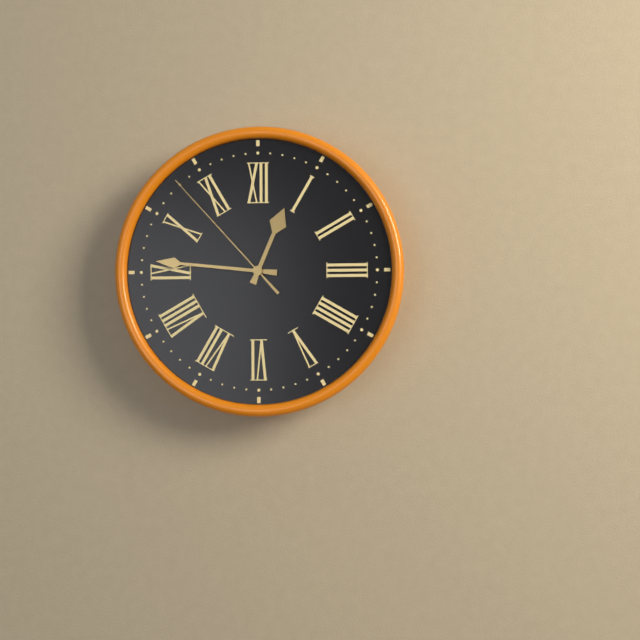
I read {"hour": 12, "minute": 46, "second": 53}
